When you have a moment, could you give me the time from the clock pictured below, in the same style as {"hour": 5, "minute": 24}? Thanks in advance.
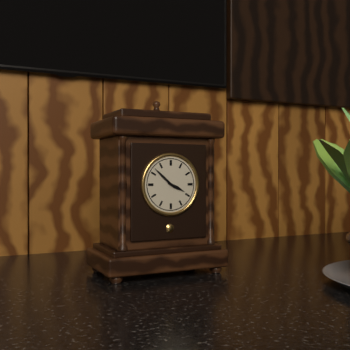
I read {"hour": 3, "minute": 52}
